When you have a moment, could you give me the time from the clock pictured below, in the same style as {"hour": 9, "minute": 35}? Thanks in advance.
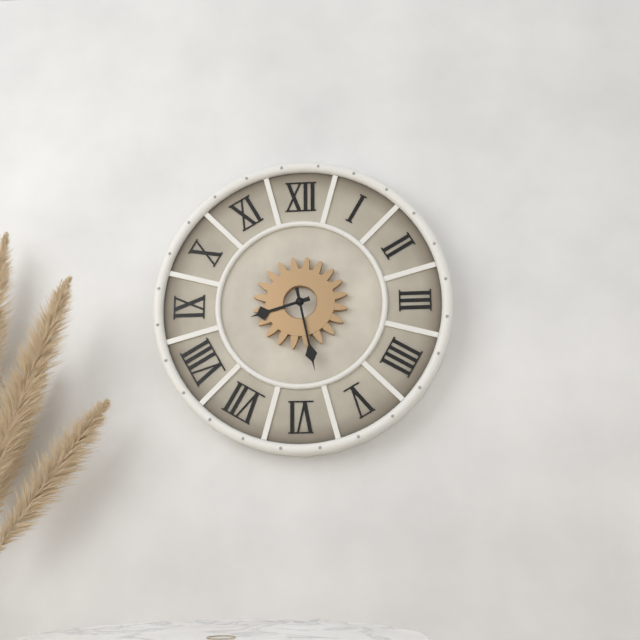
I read {"hour": 8, "minute": 28}
